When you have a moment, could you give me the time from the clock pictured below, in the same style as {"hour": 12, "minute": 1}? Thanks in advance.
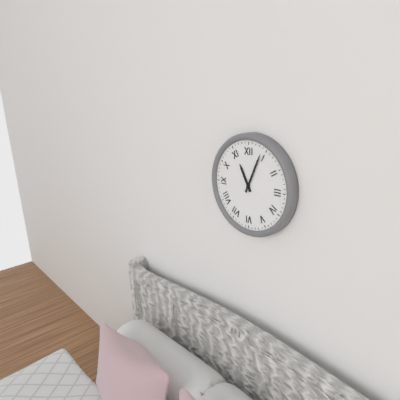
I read {"hour": 11, "minute": 4}
